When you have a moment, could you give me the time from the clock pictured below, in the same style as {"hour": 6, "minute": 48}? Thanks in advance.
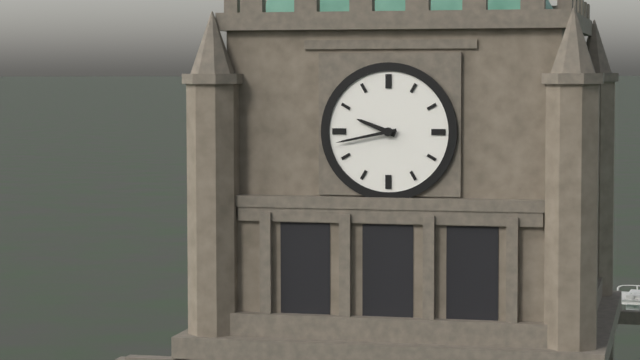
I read {"hour": 9, "minute": 43}
